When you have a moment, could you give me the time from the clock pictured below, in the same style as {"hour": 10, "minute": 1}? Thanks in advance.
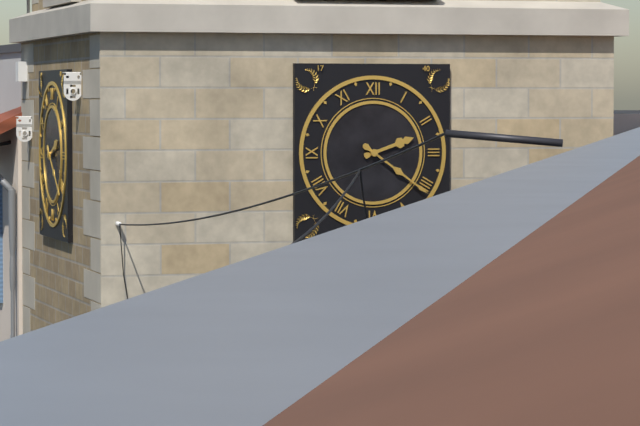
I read {"hour": 2, "minute": 21}
